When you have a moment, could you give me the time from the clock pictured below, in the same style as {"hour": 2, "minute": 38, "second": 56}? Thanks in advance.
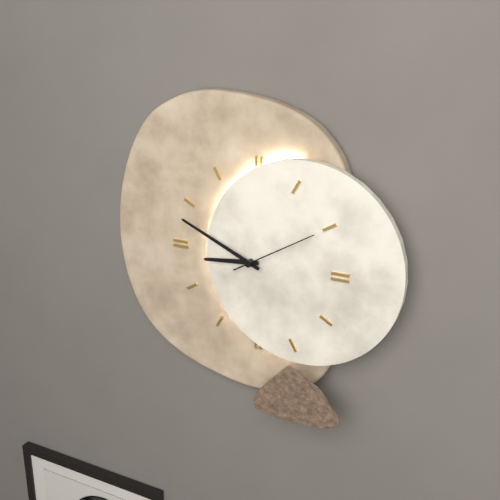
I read {"hour": 8, "minute": 49, "second": 10}
